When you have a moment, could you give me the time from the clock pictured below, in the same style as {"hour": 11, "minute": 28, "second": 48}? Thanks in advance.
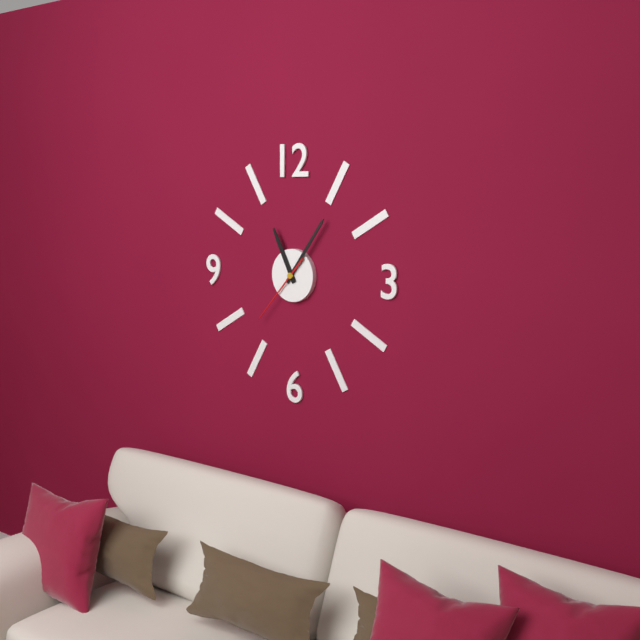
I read {"hour": 11, "minute": 6, "second": 37}
